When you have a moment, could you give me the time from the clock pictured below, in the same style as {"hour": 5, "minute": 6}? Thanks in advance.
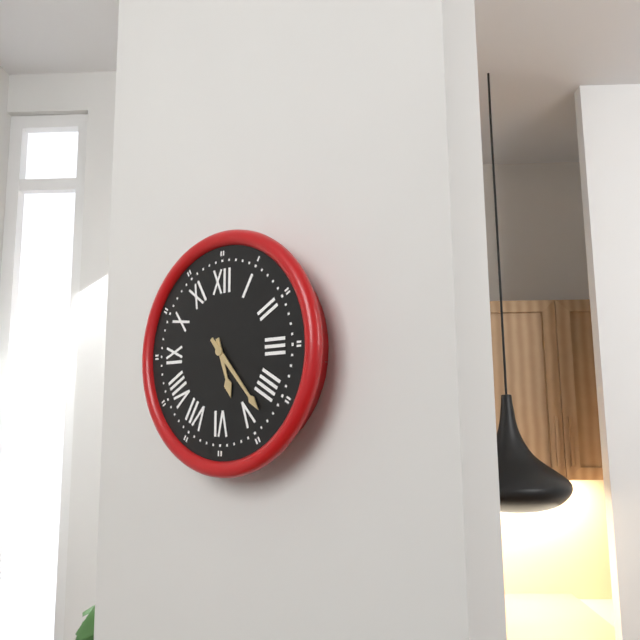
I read {"hour": 5, "minute": 23}
